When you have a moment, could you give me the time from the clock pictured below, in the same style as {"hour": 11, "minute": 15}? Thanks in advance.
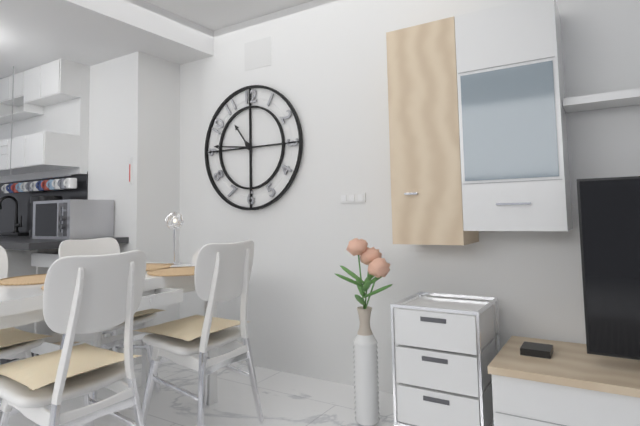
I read {"hour": 10, "minute": 46}
